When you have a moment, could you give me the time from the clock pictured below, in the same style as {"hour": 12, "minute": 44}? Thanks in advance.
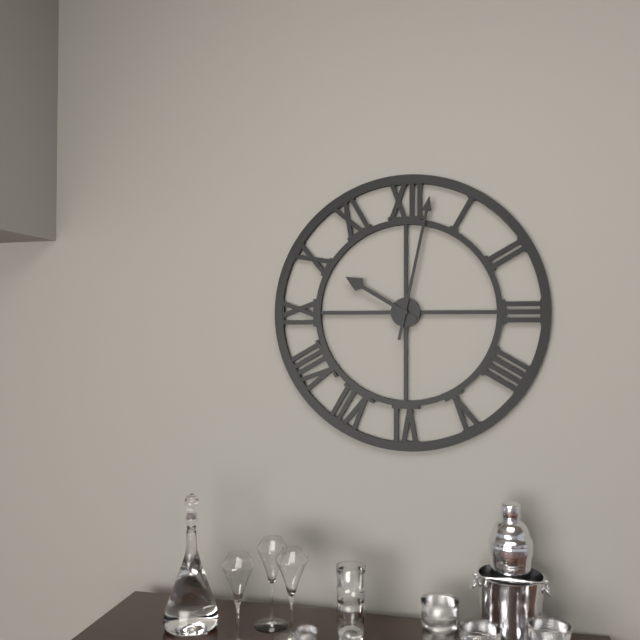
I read {"hour": 10, "minute": 2}
